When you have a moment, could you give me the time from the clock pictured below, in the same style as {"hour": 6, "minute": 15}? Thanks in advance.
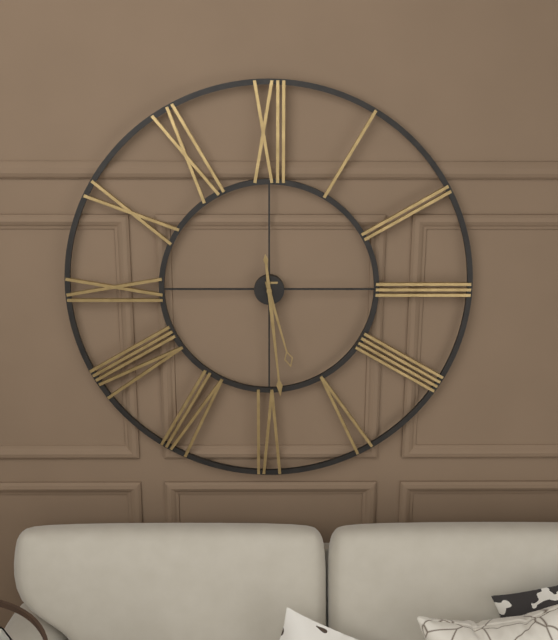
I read {"hour": 5, "minute": 29}
